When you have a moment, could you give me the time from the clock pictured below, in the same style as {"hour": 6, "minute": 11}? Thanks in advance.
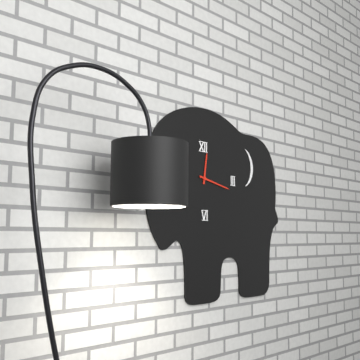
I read {"hour": 12, "minute": 17}
